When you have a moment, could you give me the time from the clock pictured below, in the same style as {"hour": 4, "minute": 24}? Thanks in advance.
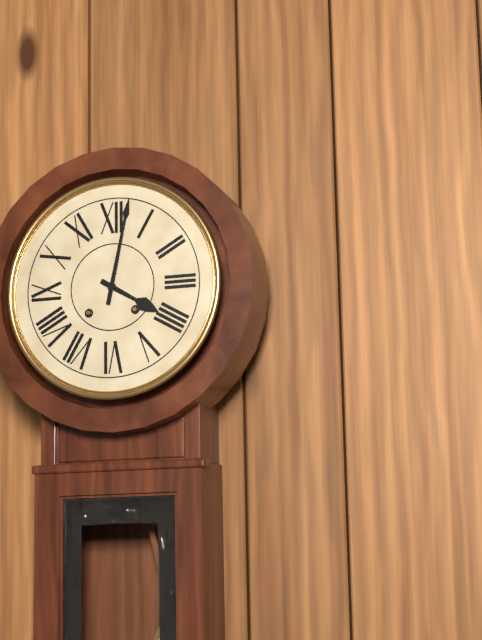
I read {"hour": 4, "minute": 2}
